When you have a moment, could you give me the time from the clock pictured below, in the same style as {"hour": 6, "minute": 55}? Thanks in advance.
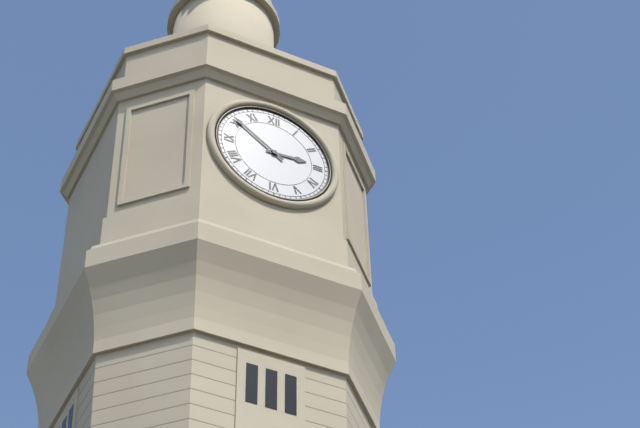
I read {"hour": 2, "minute": 51}
